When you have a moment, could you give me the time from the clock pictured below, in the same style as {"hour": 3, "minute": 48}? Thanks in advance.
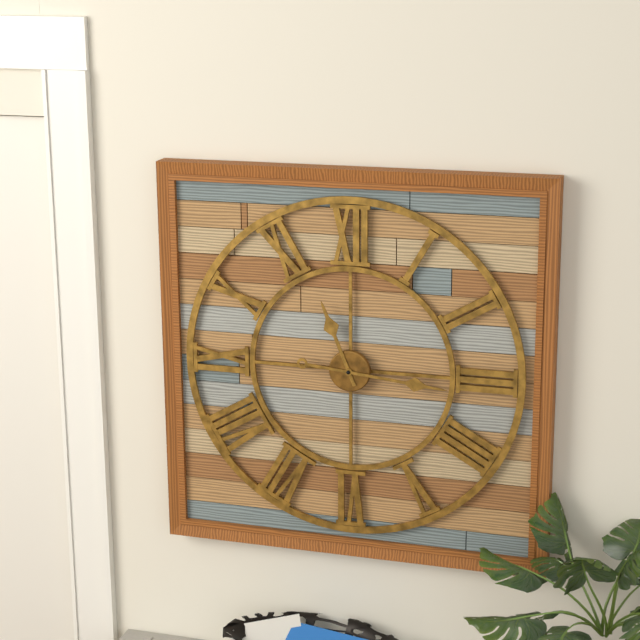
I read {"hour": 11, "minute": 16}
